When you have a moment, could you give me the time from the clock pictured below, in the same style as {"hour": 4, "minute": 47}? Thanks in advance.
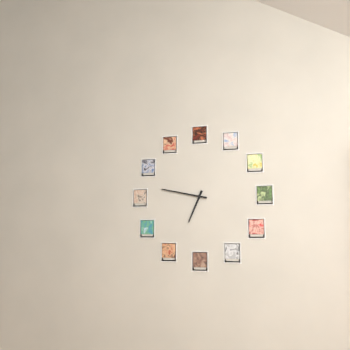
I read {"hour": 6, "minute": 47}
